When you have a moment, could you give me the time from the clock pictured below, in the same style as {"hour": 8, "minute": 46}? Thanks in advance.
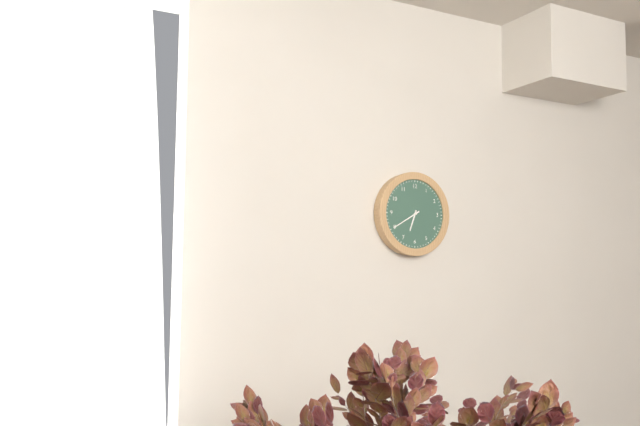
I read {"hour": 6, "minute": 40}
